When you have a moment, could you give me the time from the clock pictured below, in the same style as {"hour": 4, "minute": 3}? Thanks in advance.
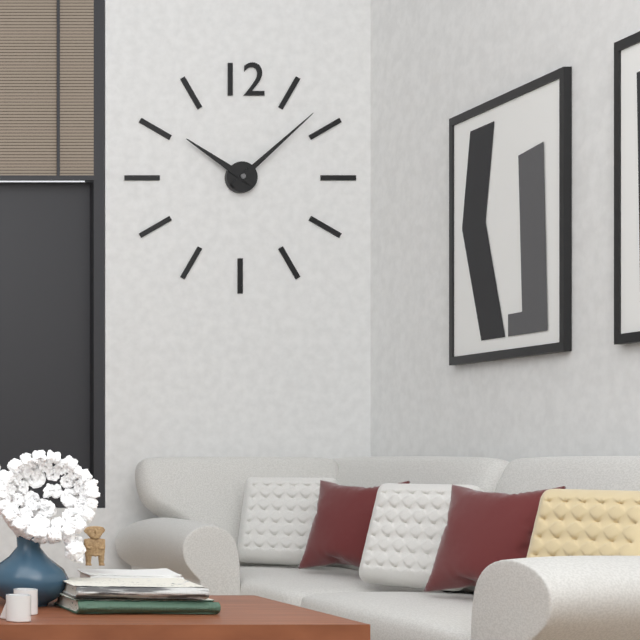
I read {"hour": 10, "minute": 8}
